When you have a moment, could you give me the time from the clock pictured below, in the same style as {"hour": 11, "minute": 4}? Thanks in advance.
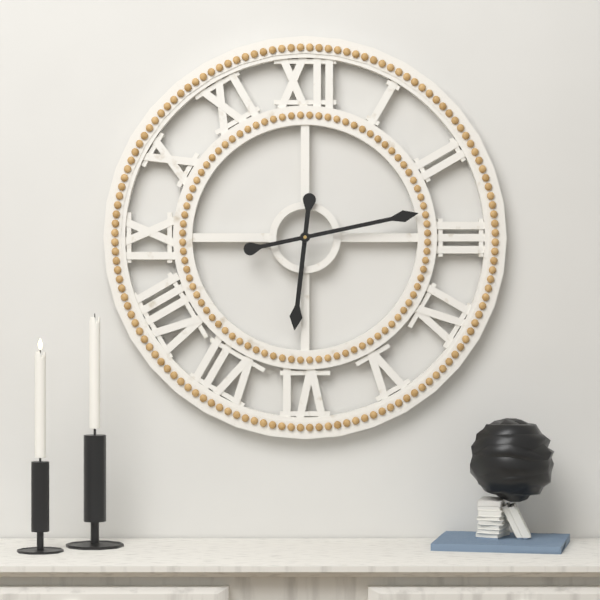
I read {"hour": 6, "minute": 13}
